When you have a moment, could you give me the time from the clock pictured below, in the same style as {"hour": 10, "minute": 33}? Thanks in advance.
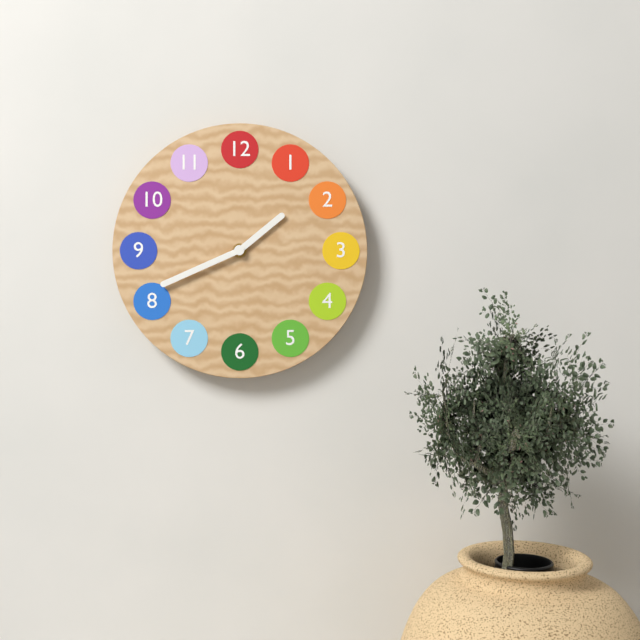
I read {"hour": 1, "minute": 41}
